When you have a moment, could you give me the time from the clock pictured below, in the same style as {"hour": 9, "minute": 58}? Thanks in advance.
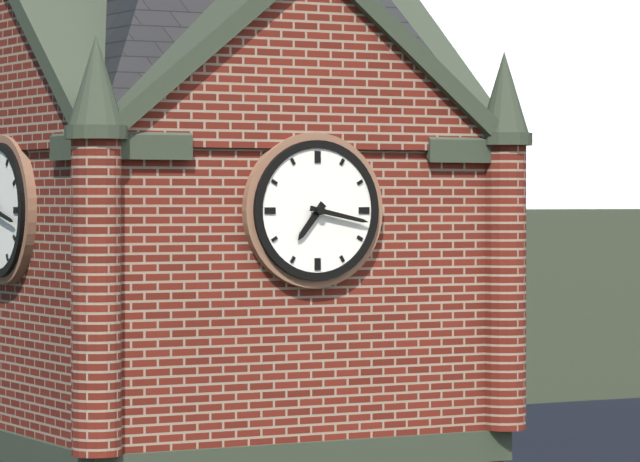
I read {"hour": 7, "minute": 17}
